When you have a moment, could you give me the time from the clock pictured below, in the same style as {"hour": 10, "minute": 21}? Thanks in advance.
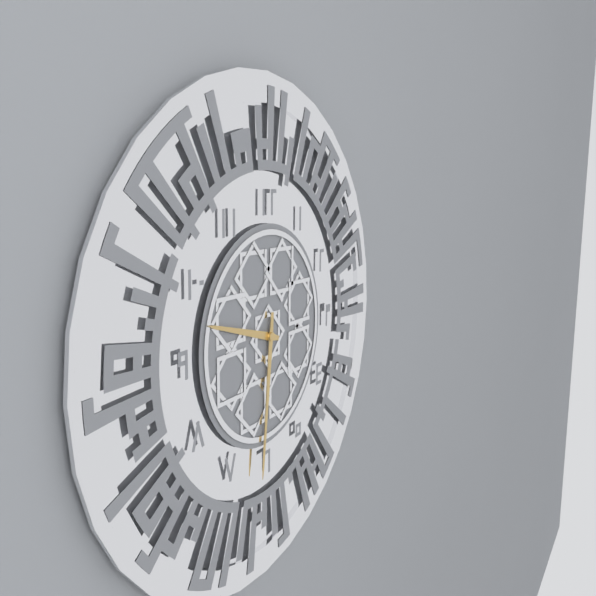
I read {"hour": 9, "minute": 31}
